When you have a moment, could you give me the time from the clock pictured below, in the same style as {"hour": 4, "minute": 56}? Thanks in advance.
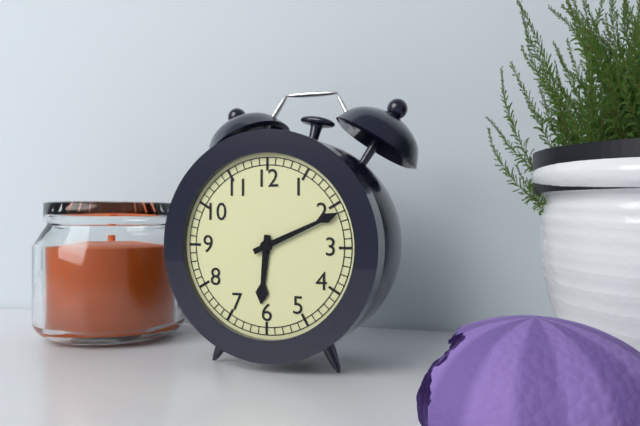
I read {"hour": 6, "minute": 11}
